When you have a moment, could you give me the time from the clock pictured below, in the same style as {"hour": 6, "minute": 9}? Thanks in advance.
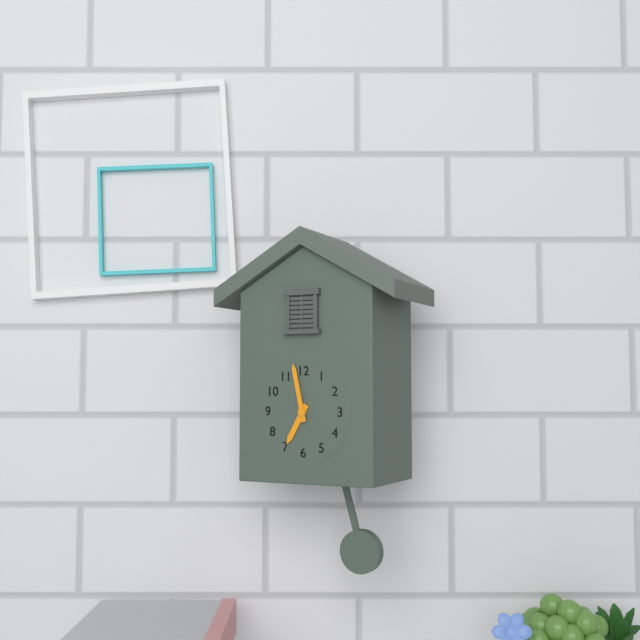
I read {"hour": 6, "minute": 58}
